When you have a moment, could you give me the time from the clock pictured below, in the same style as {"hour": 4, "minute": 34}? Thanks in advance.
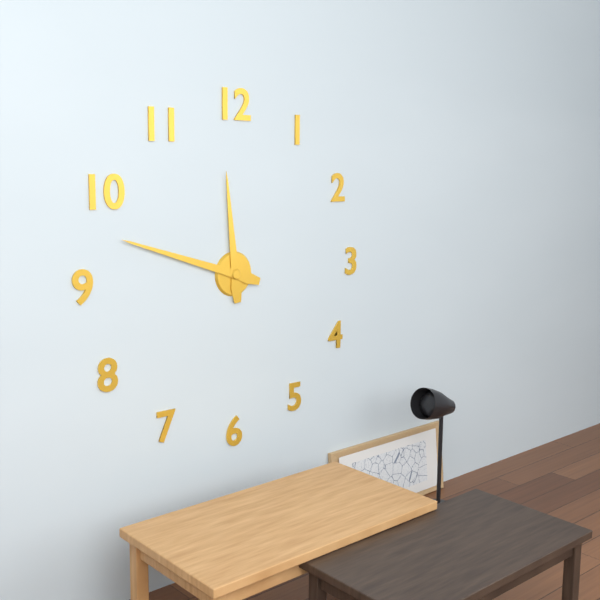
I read {"hour": 11, "minute": 48}
